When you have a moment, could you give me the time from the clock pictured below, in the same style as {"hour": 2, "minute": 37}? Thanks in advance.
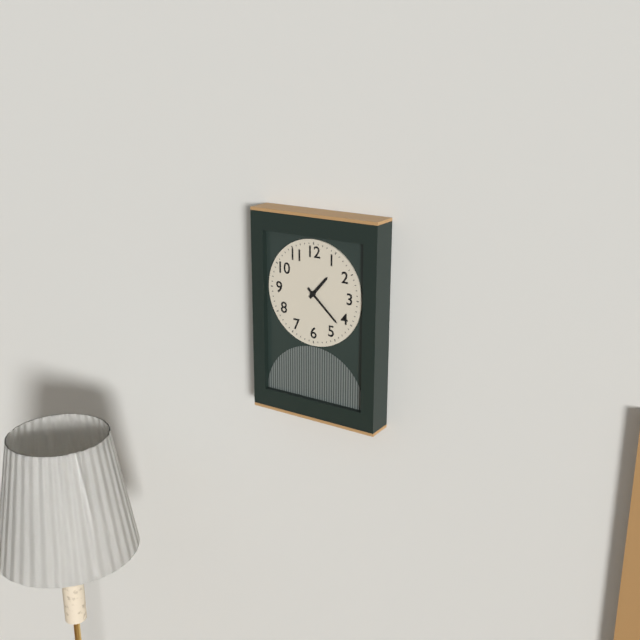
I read {"hour": 1, "minute": 22}
